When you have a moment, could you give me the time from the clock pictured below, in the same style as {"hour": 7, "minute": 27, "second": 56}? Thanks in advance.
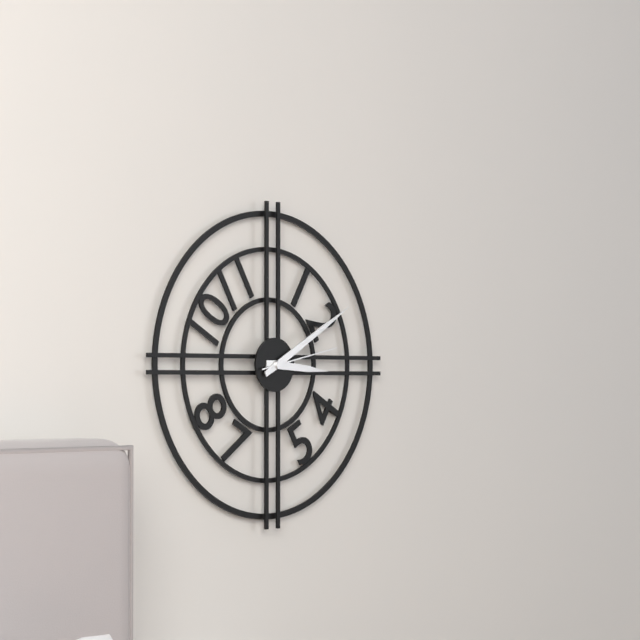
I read {"hour": 3, "minute": 10, "second": 13}
